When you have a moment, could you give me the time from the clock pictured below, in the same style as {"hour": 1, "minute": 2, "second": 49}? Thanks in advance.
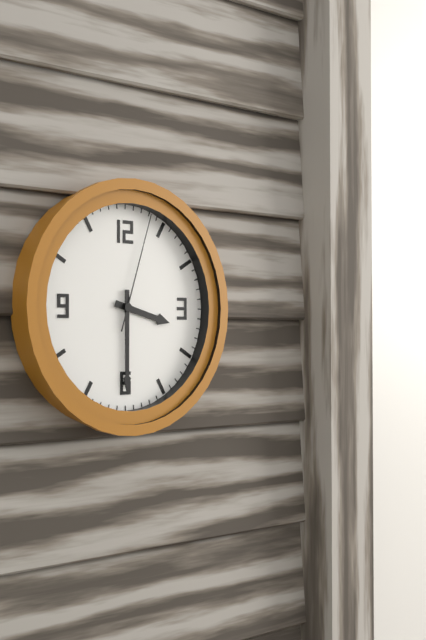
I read {"hour": 3, "minute": 30, "second": 3}
